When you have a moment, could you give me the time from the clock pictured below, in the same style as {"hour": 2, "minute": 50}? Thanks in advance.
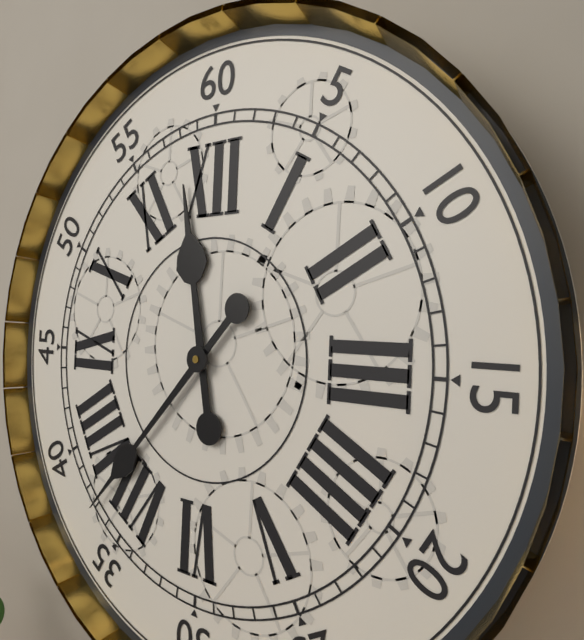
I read {"hour": 11, "minute": 37}
